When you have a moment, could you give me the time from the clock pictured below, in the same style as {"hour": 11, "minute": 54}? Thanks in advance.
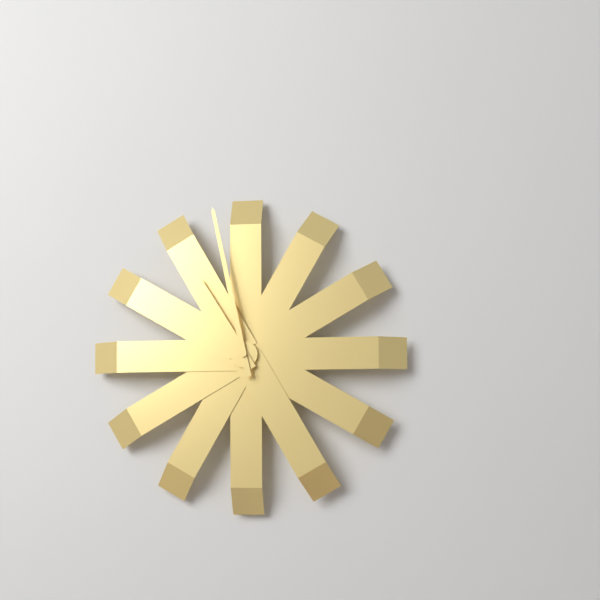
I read {"hour": 10, "minute": 58}
